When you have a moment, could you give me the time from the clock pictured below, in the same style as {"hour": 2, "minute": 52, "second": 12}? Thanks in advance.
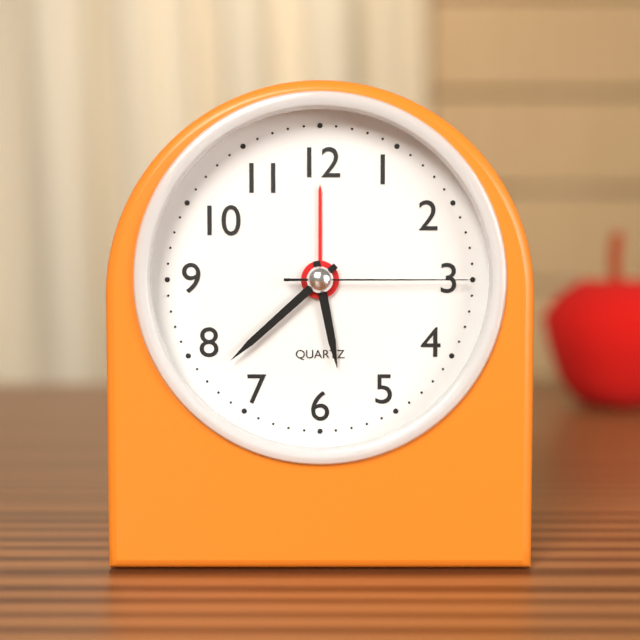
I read {"hour": 5, "minute": 38, "second": 15}
